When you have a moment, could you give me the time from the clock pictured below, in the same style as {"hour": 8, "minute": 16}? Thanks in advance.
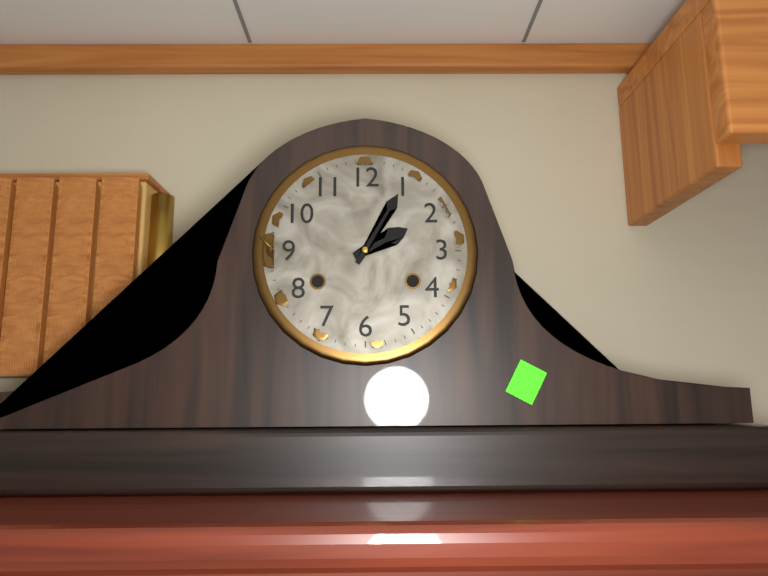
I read {"hour": 2, "minute": 5}
